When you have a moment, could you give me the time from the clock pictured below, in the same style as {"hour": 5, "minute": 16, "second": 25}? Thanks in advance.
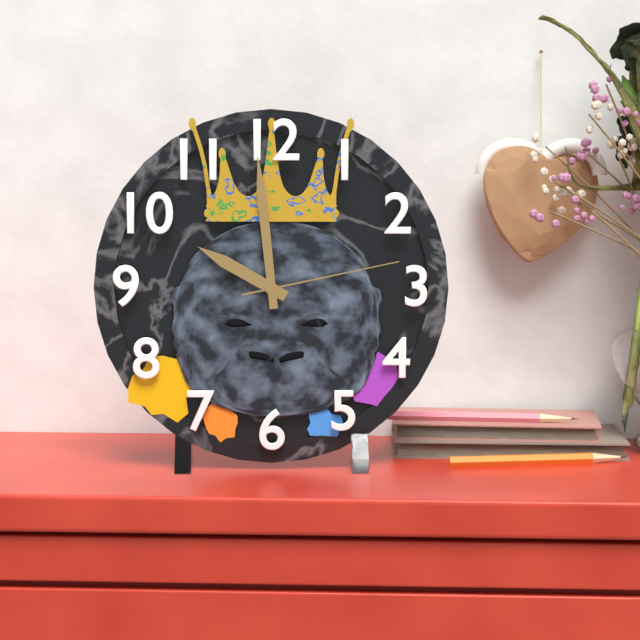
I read {"hour": 9, "minute": 59, "second": 13}
